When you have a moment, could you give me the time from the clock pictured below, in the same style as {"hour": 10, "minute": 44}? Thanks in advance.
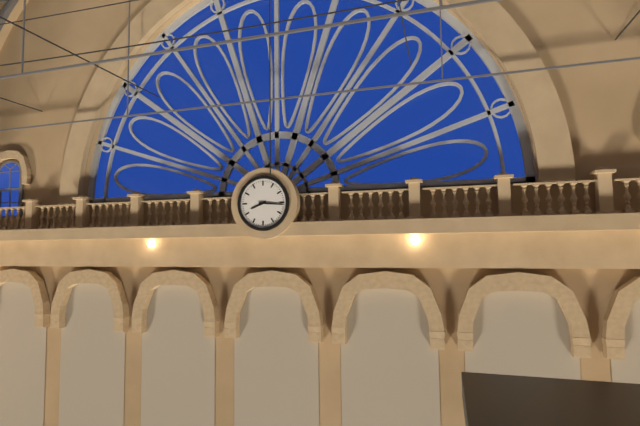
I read {"hour": 8, "minute": 16}
